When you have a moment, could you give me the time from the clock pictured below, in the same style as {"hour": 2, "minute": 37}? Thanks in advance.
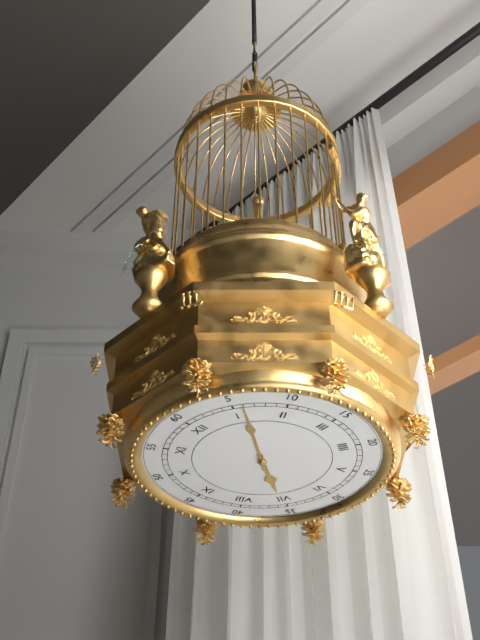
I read {"hour": 7, "minute": 6}
